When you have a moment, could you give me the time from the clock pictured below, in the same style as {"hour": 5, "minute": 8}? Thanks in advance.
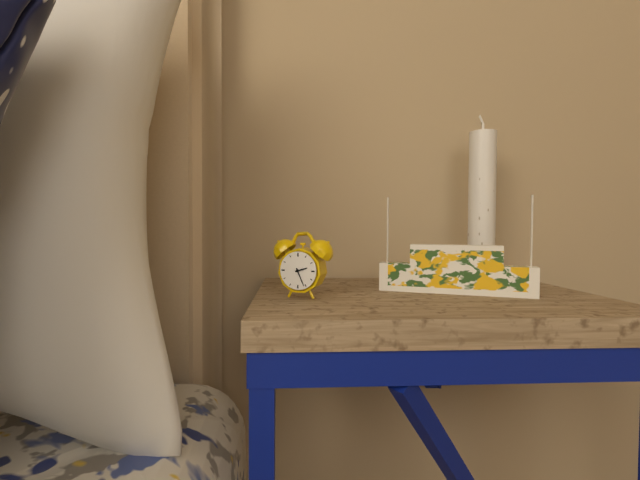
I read {"hour": 2, "minute": 26}
